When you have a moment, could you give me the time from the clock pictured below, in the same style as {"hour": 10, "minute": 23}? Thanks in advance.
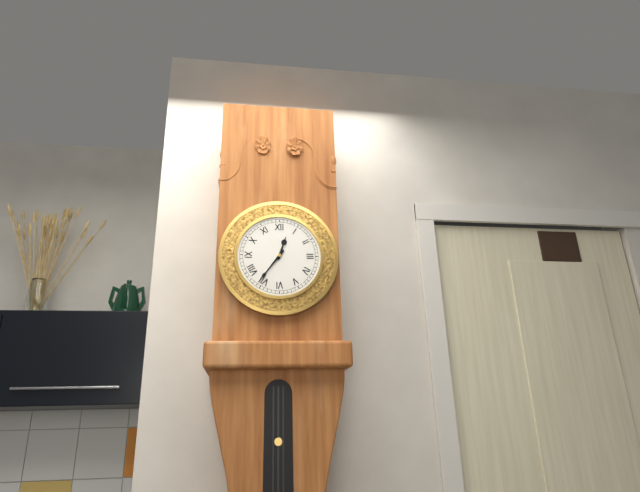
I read {"hour": 12, "minute": 36}
